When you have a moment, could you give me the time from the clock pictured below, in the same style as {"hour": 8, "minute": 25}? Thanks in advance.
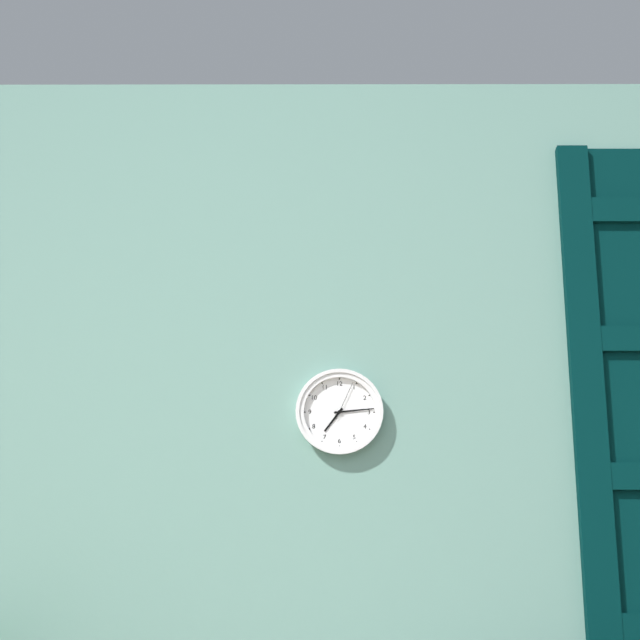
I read {"hour": 7, "minute": 14}
